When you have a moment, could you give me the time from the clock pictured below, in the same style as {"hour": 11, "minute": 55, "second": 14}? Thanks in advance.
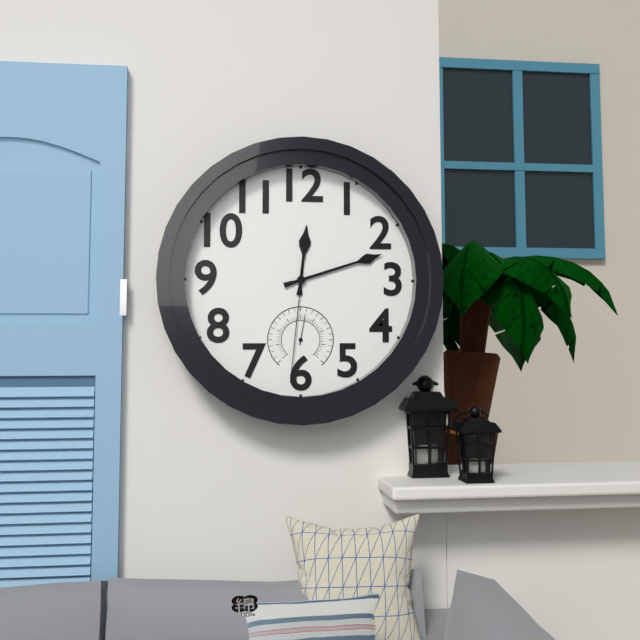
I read {"hour": 12, "minute": 12, "second": 31}
